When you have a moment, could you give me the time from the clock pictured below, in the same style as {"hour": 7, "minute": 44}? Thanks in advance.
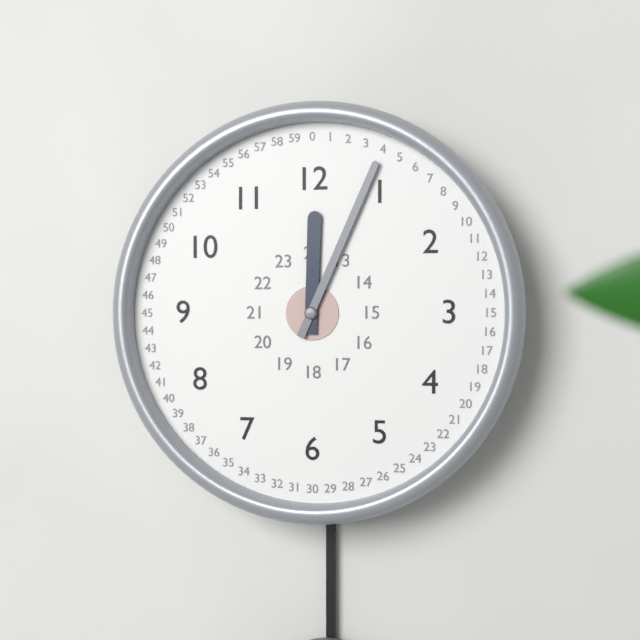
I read {"hour": 12, "minute": 4}
